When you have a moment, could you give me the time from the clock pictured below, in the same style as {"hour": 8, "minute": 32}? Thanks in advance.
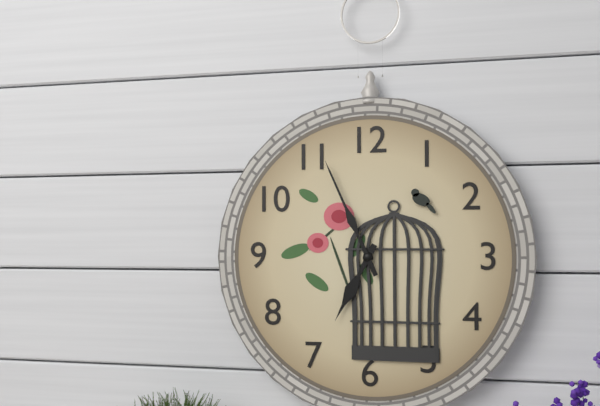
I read {"hour": 6, "minute": 56}
